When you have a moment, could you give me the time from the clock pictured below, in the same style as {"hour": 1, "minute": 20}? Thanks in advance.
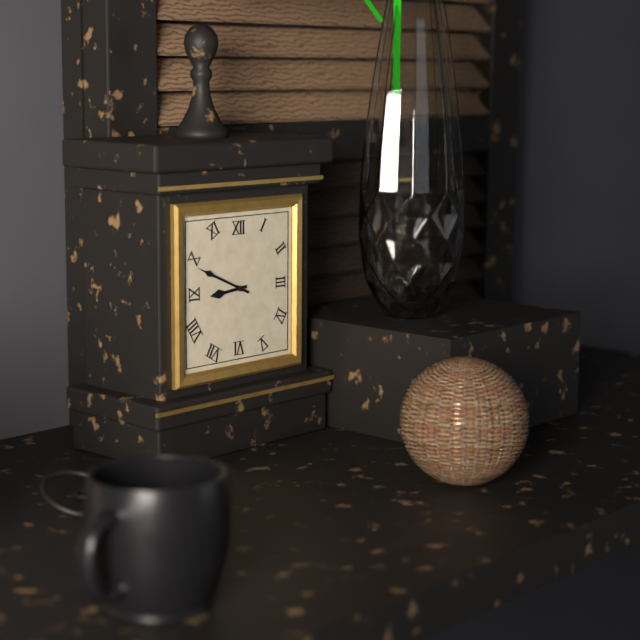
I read {"hour": 8, "minute": 49}
